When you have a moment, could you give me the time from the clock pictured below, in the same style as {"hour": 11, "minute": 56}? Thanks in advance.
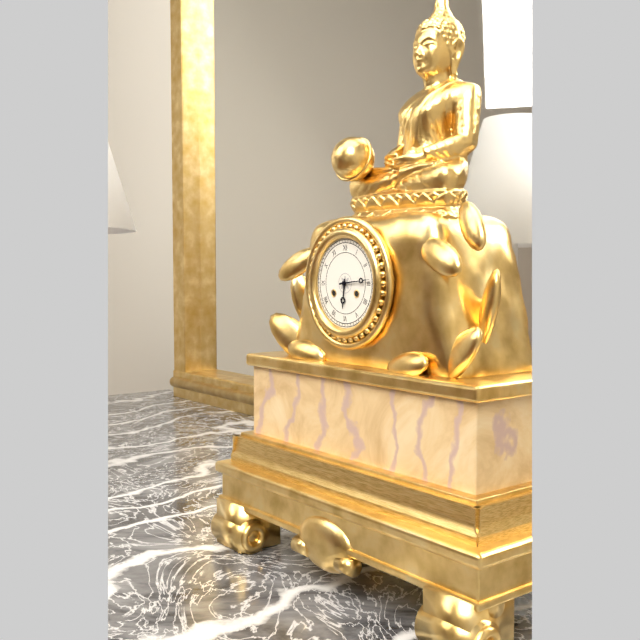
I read {"hour": 6, "minute": 14}
